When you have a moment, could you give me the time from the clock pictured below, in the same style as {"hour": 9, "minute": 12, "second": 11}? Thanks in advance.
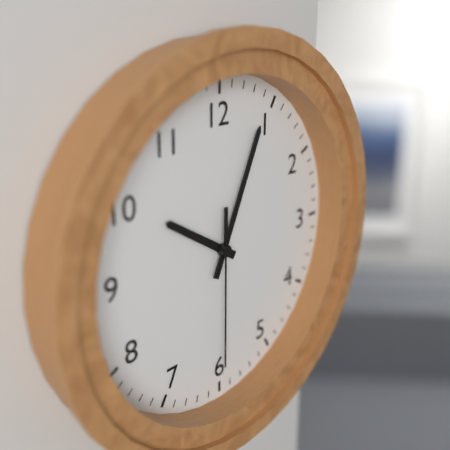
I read {"hour": 10, "minute": 4, "second": 30}
